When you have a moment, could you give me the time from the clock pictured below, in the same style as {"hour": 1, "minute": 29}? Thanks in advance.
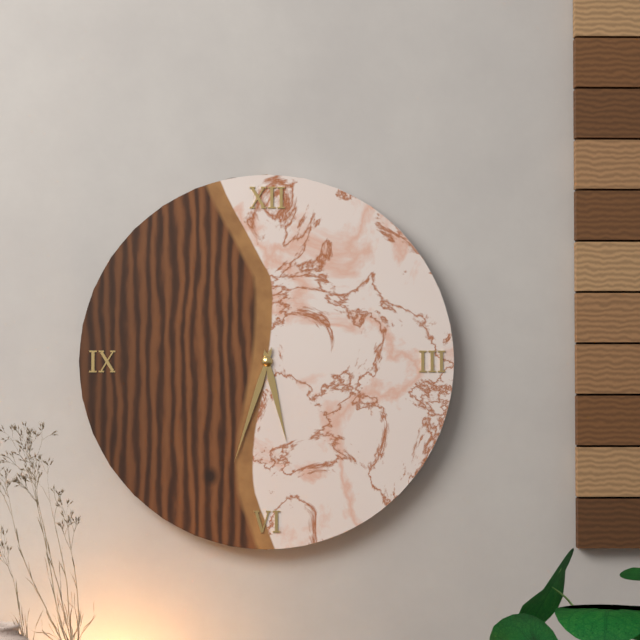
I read {"hour": 5, "minute": 33}
